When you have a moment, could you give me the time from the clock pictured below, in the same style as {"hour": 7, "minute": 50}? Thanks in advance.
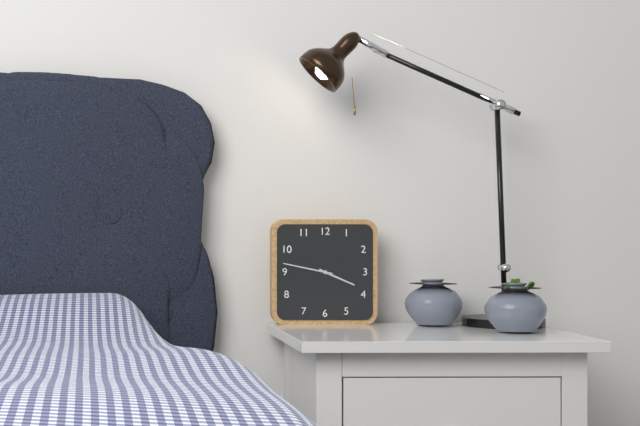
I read {"hour": 3, "minute": 47}
